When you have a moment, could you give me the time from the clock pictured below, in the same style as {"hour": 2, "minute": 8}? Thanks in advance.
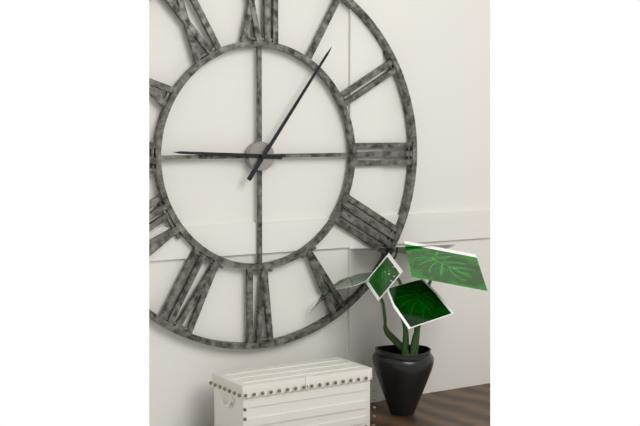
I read {"hour": 9, "minute": 6}
